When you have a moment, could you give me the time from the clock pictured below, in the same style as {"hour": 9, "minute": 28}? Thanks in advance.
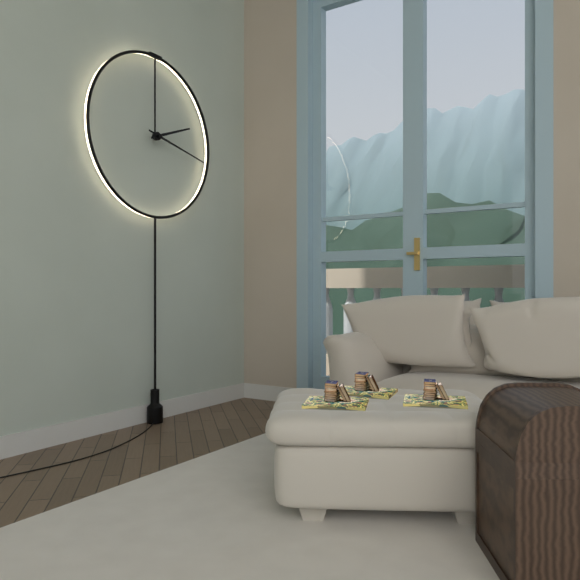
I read {"hour": 2, "minute": 17}
